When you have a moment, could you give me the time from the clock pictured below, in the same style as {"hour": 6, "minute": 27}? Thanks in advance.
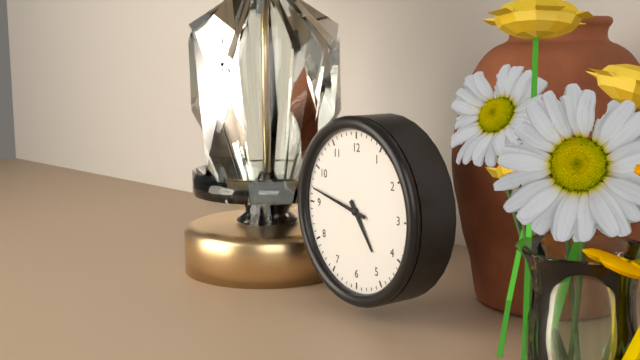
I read {"hour": 4, "minute": 47}
